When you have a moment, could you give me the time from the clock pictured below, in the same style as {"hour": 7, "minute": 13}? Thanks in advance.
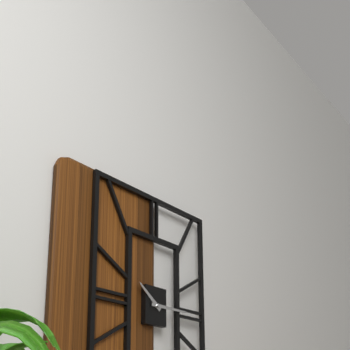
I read {"hour": 10, "minute": 15}
